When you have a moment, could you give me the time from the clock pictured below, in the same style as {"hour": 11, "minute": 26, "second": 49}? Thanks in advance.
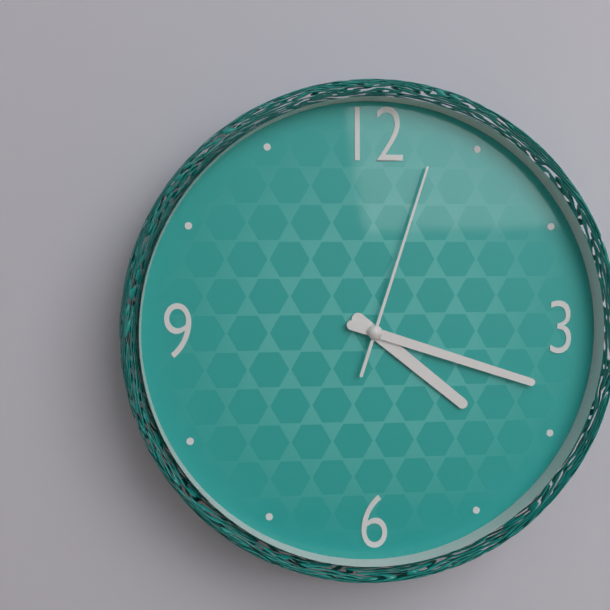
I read {"hour": 4, "minute": 18, "second": 3}
